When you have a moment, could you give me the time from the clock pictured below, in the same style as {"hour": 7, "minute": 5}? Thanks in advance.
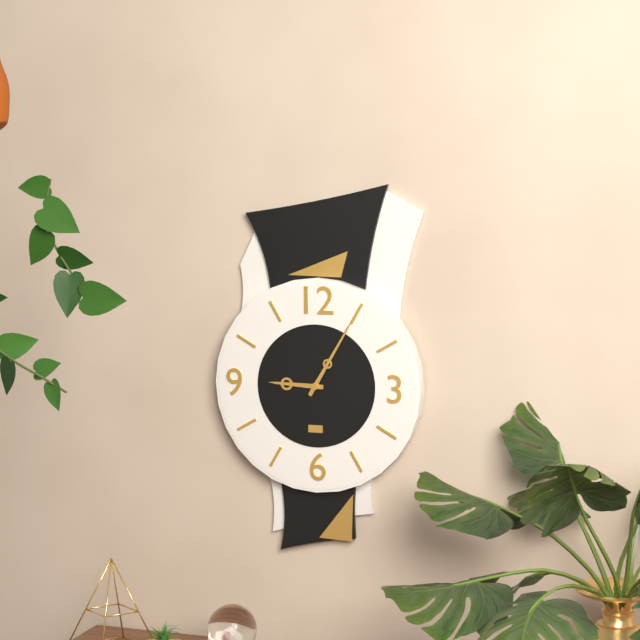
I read {"hour": 9, "minute": 5}
